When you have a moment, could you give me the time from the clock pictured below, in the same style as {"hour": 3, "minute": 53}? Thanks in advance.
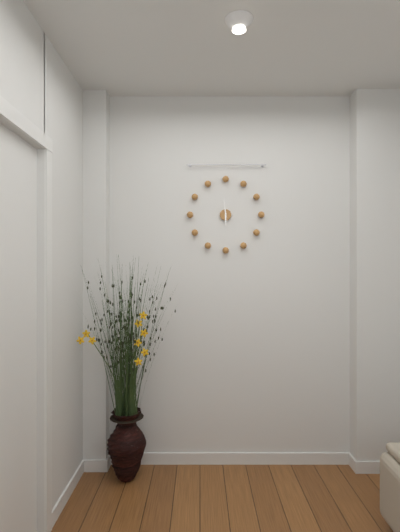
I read {"hour": 5, "minute": 59}
